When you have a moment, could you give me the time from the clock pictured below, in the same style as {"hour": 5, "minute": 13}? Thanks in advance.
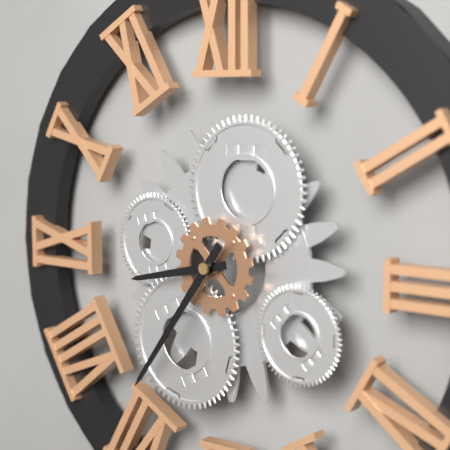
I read {"hour": 8, "minute": 36}
